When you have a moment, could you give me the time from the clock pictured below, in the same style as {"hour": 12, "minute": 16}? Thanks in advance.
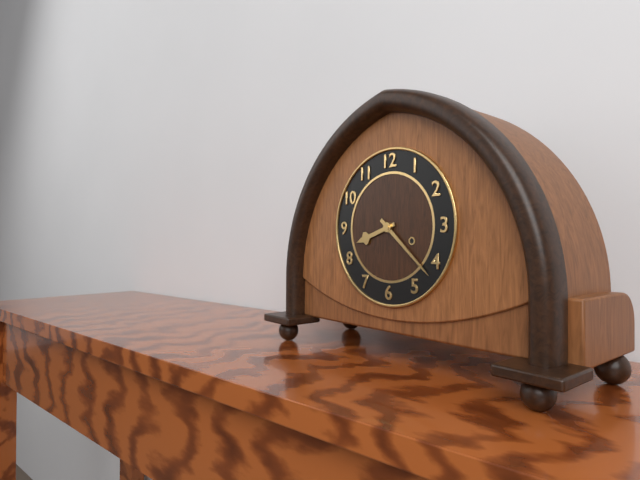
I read {"hour": 8, "minute": 22}
